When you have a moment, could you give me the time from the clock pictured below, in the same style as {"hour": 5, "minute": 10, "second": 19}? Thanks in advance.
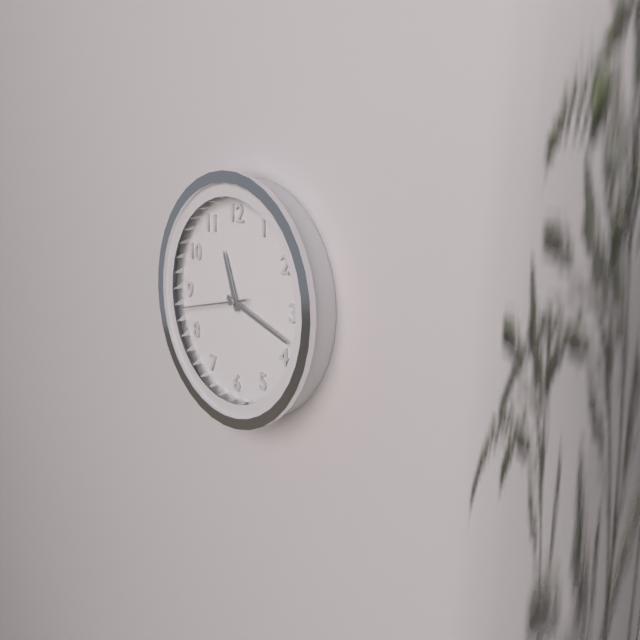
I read {"hour": 11, "minute": 18, "second": 43}
